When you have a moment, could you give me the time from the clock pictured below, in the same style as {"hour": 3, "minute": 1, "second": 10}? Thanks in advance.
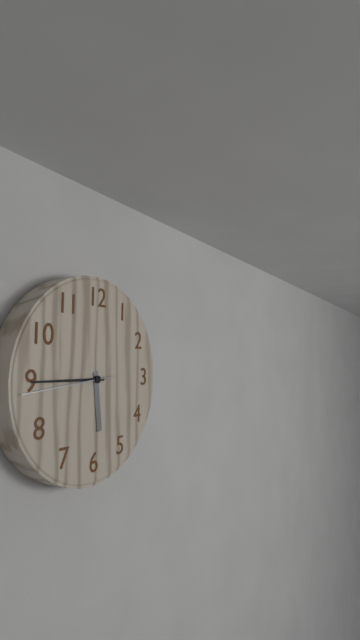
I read {"hour": 5, "minute": 45, "second": 44}
